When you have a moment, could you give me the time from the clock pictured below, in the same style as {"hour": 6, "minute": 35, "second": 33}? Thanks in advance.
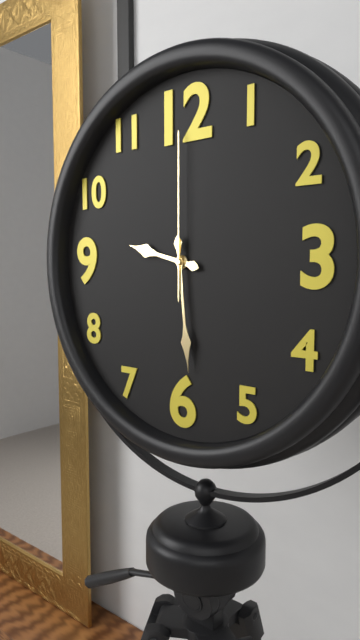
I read {"hour": 9, "minute": 29, "second": 0}
